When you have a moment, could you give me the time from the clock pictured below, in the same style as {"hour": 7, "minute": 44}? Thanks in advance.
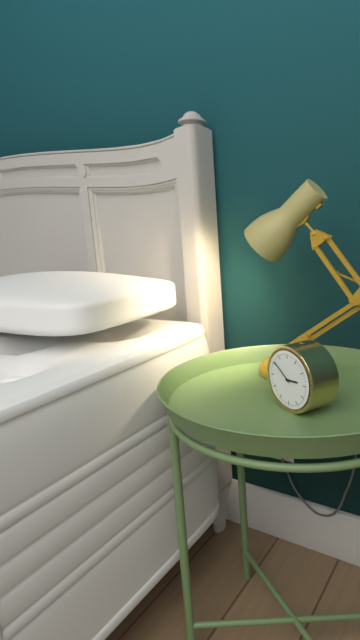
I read {"hour": 2, "minute": 51}
